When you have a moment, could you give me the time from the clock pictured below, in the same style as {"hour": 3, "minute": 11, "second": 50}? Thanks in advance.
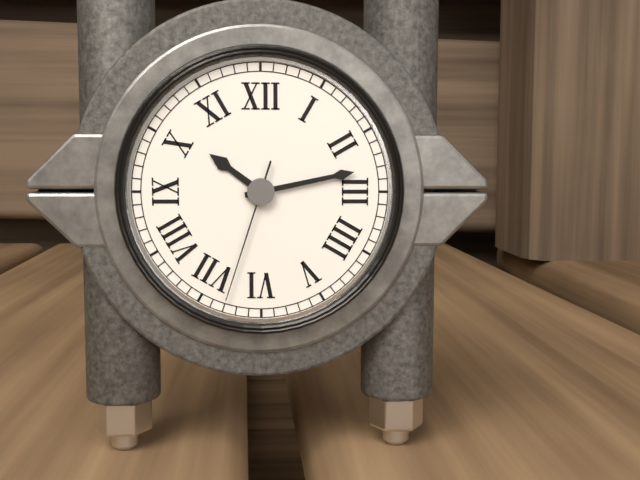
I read {"hour": 10, "minute": 13, "second": 33}
